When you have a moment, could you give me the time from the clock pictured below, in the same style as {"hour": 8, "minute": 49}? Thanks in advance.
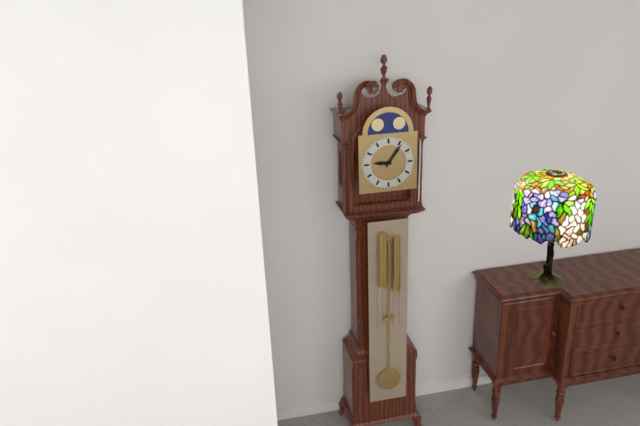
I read {"hour": 9, "minute": 6}
